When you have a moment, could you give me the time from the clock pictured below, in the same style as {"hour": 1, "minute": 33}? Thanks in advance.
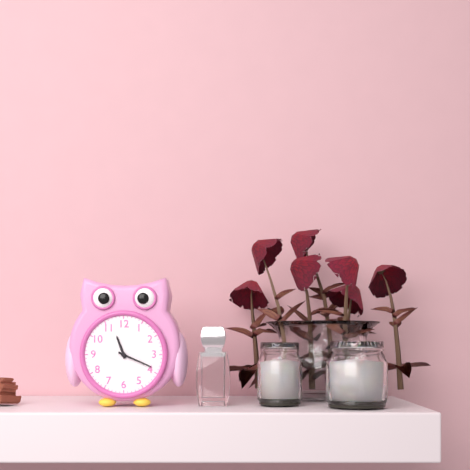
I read {"hour": 11, "minute": 19}
